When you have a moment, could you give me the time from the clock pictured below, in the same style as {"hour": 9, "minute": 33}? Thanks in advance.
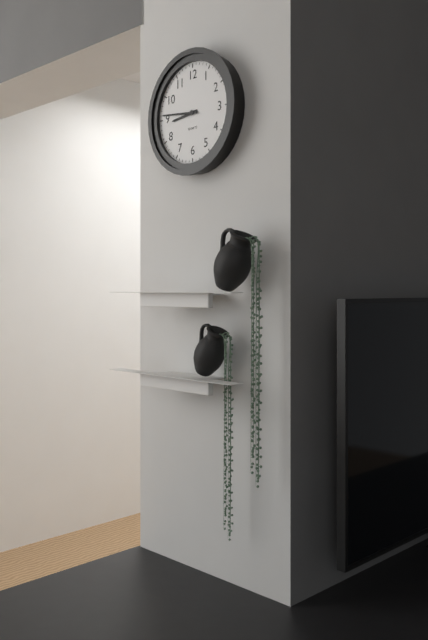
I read {"hour": 8, "minute": 46}
